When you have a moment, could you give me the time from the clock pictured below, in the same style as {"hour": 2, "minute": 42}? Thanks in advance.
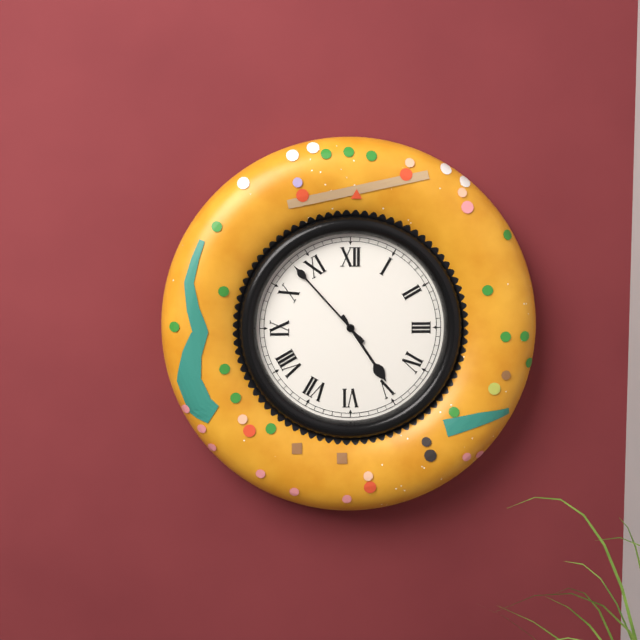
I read {"hour": 4, "minute": 53}
